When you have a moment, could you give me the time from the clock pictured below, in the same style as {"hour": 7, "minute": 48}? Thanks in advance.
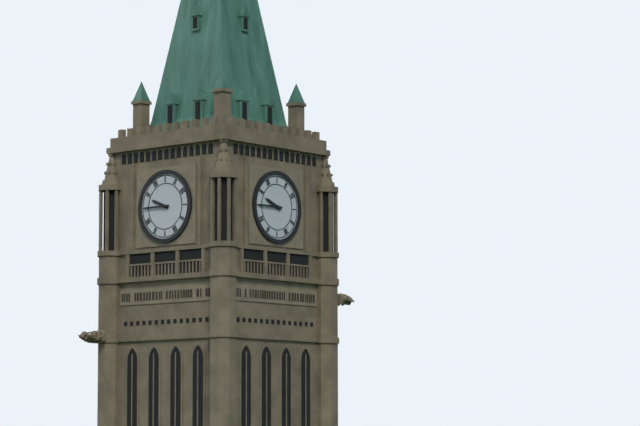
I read {"hour": 9, "minute": 45}
